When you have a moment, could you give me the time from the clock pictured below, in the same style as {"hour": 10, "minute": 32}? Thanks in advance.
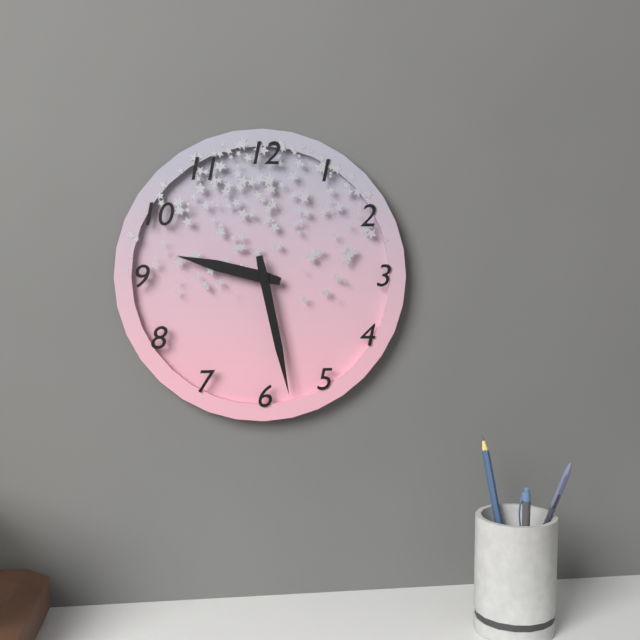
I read {"hour": 9, "minute": 28}
